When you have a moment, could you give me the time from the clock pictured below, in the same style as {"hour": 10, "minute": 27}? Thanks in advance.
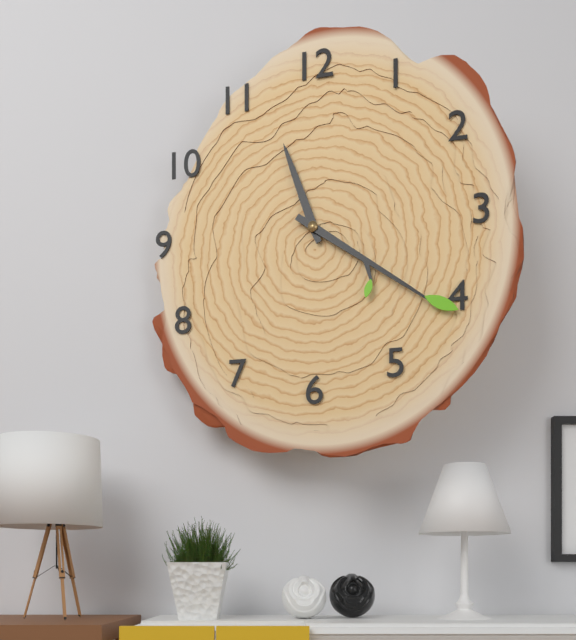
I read {"hour": 11, "minute": 21}
